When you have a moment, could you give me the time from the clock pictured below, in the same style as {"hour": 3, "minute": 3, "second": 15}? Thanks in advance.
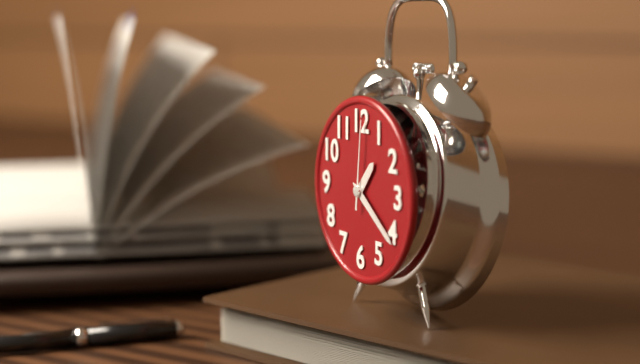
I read {"hour": 1, "minute": 21, "second": 1}
